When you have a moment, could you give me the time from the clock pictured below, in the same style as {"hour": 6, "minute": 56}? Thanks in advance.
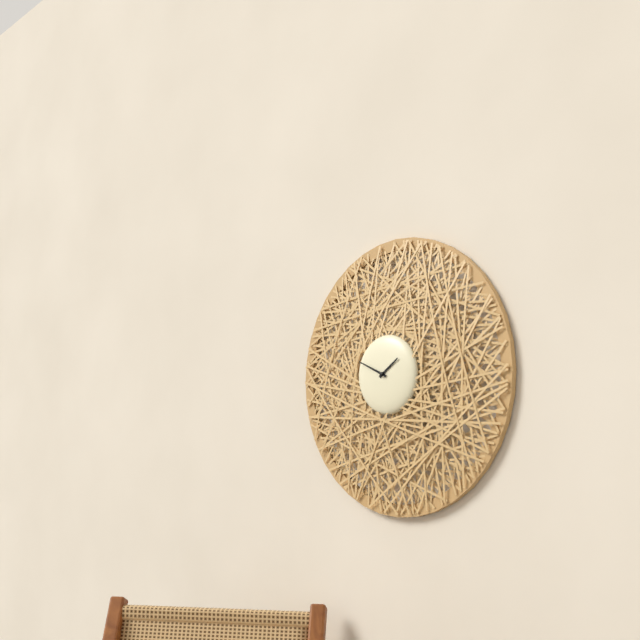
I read {"hour": 1, "minute": 49}
